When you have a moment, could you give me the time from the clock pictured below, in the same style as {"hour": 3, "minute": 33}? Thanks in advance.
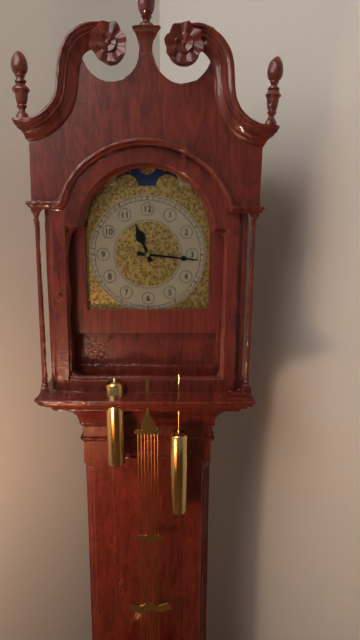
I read {"hour": 11, "minute": 16}
